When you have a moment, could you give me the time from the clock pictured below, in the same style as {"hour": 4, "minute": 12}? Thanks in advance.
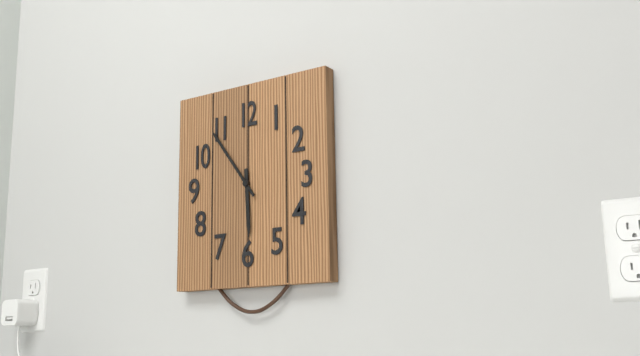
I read {"hour": 5, "minute": 54}
